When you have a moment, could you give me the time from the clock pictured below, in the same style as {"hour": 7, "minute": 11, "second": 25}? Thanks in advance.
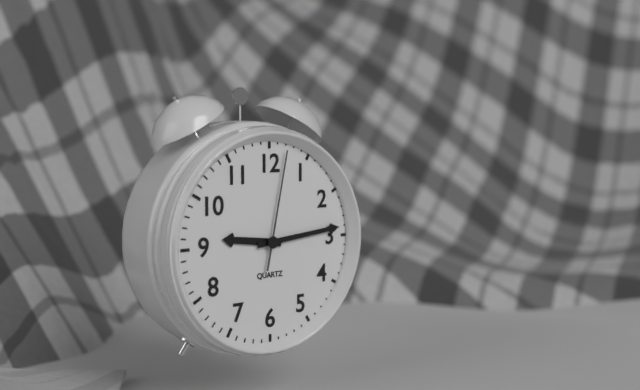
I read {"hour": 9, "minute": 14, "second": 2}
